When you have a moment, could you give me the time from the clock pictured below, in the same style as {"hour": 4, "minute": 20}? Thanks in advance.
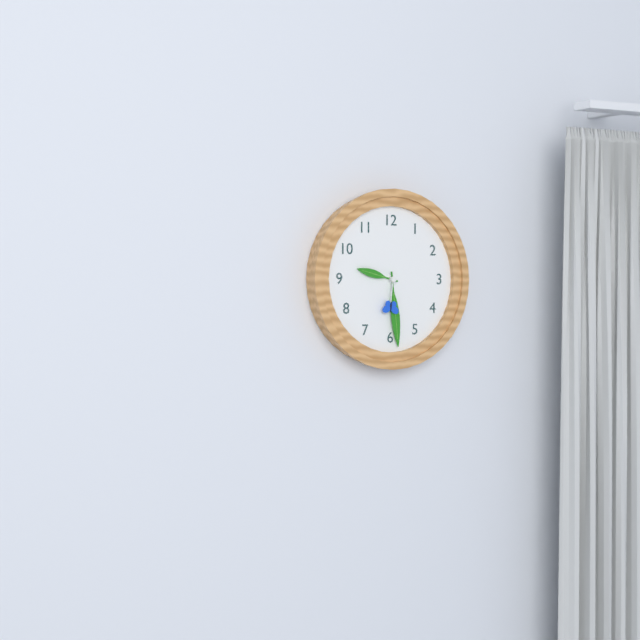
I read {"hour": 9, "minute": 29}
